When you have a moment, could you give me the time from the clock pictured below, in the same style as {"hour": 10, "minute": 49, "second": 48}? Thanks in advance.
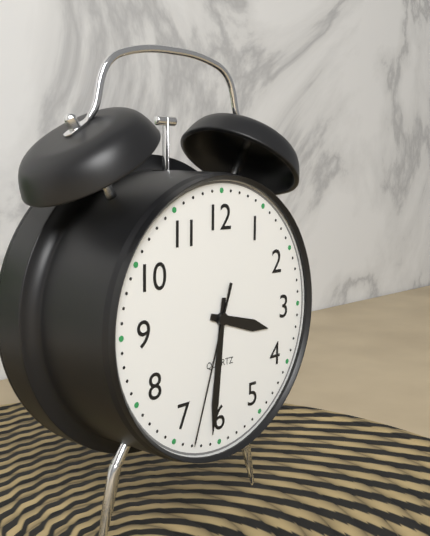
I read {"hour": 3, "minute": 31, "second": 33}
